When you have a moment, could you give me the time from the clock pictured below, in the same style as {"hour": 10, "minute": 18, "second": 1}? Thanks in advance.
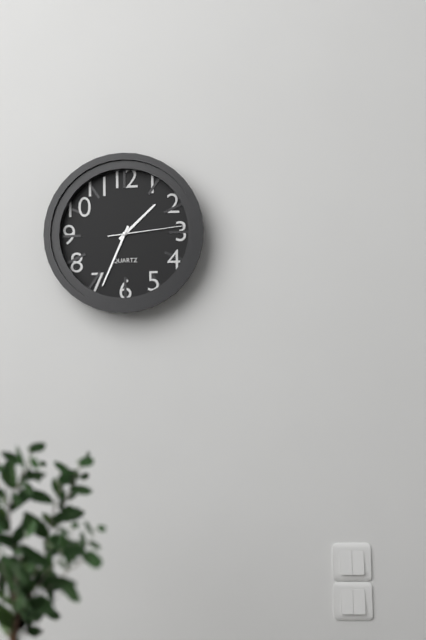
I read {"hour": 1, "minute": 34, "second": 14}
